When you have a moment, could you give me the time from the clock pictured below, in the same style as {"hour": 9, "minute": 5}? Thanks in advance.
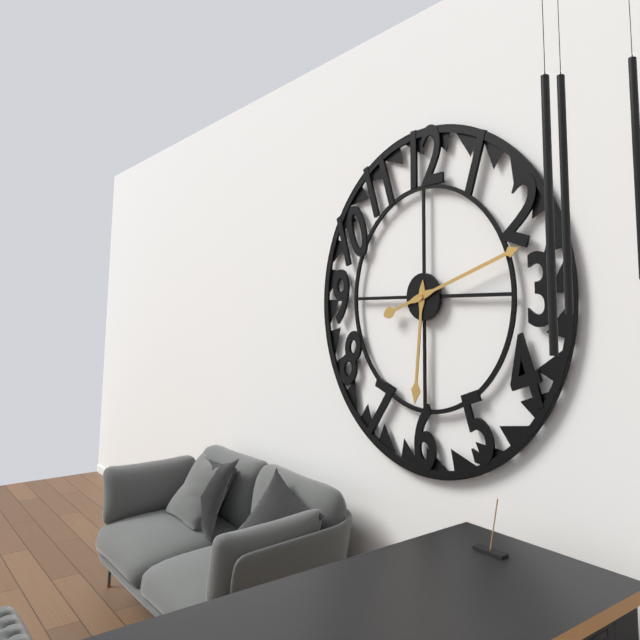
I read {"hour": 6, "minute": 12}
